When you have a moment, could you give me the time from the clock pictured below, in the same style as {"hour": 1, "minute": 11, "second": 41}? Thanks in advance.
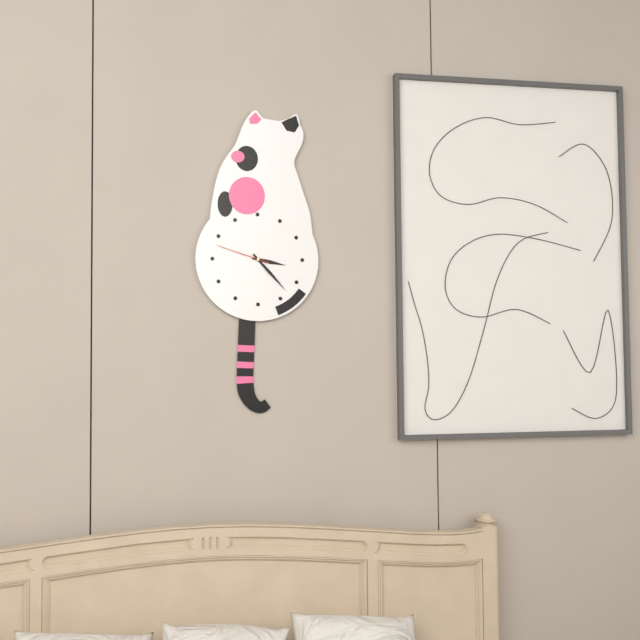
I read {"hour": 3, "minute": 23, "second": 48}
